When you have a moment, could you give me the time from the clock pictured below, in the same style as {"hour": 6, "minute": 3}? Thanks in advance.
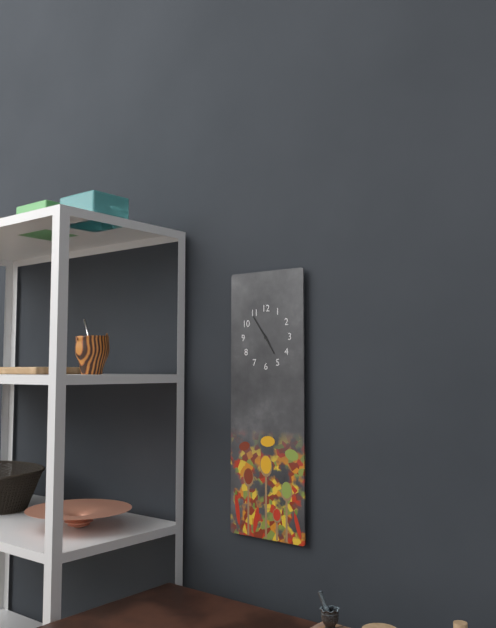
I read {"hour": 4, "minute": 54}
